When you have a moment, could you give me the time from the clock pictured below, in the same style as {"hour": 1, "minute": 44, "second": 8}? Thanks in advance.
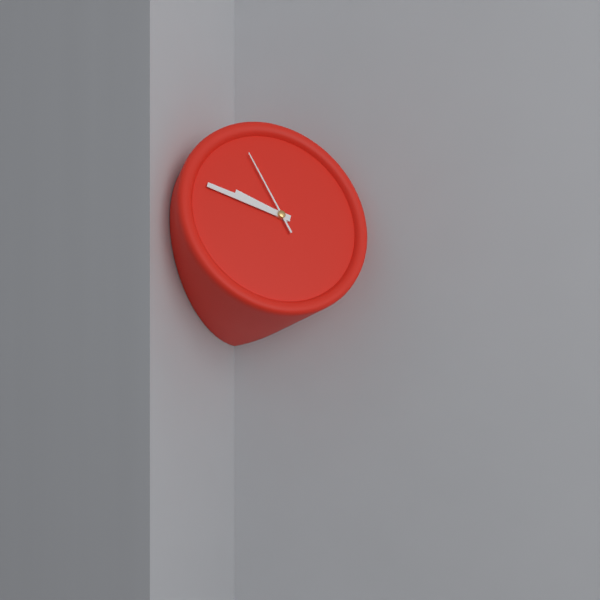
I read {"hour": 9, "minute": 48, "second": 56}
